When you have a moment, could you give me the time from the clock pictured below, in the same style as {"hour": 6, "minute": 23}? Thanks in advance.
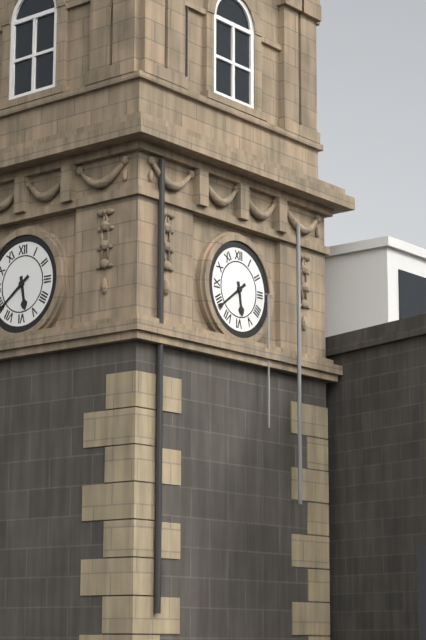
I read {"hour": 5, "minute": 39}
